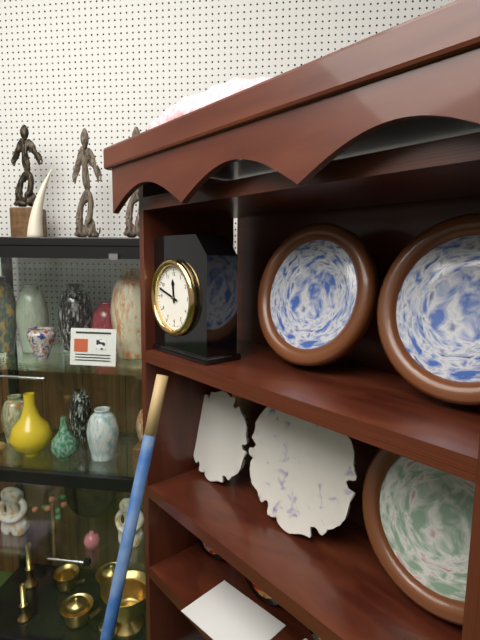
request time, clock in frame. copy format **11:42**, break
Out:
**11:48**
